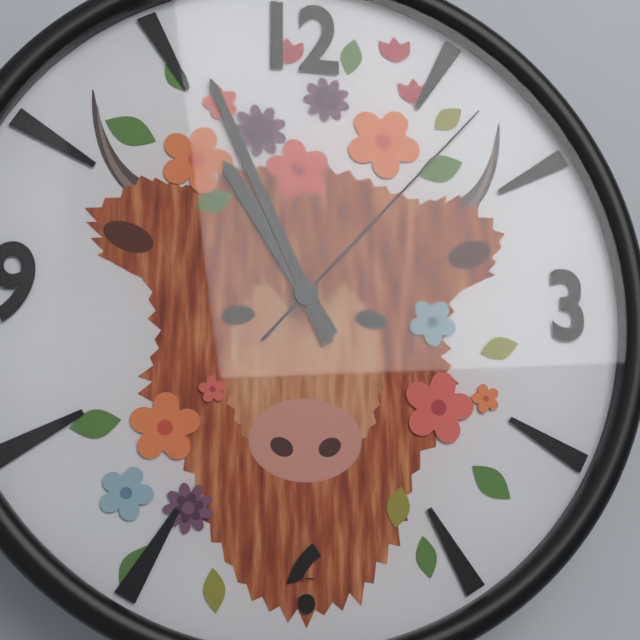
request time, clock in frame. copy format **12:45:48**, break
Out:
**10:56:07**
